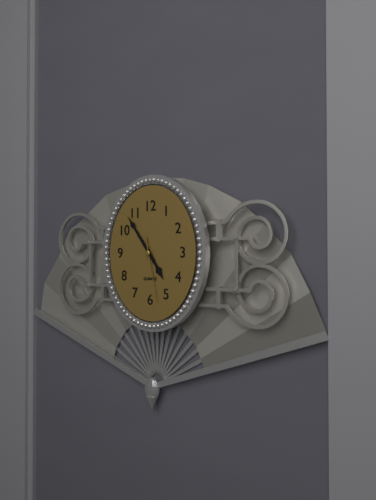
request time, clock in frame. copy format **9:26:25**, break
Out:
**4:54:28**
